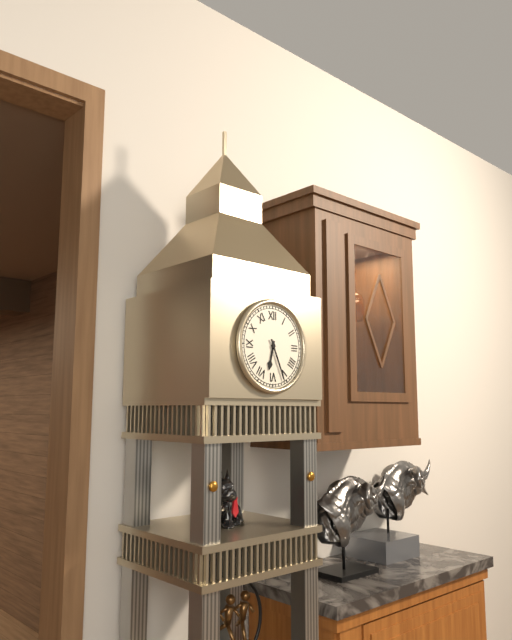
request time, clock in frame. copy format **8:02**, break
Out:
**6:26**
